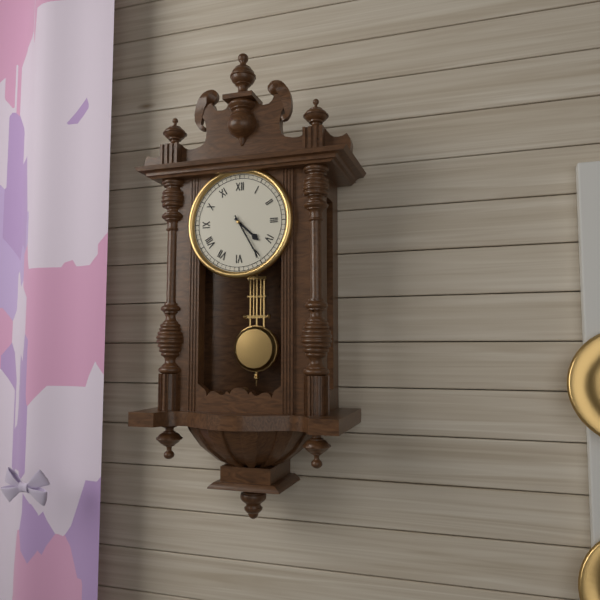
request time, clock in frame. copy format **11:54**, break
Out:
**4:25**
